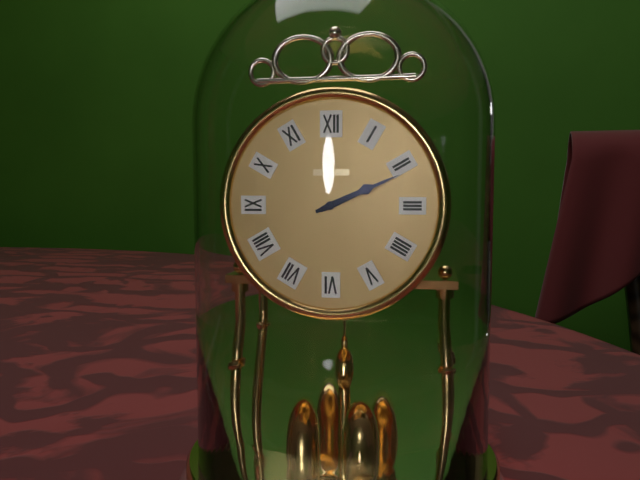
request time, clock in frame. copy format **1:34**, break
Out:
**2:11**
